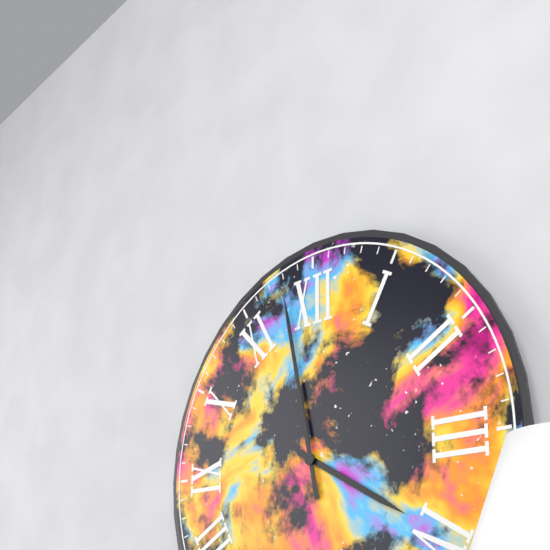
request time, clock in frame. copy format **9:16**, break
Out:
**3:58**
